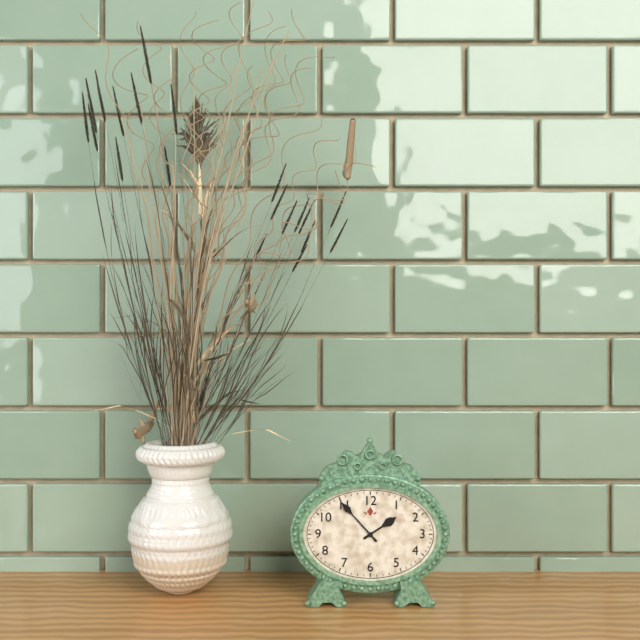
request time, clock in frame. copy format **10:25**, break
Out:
**1:53**
